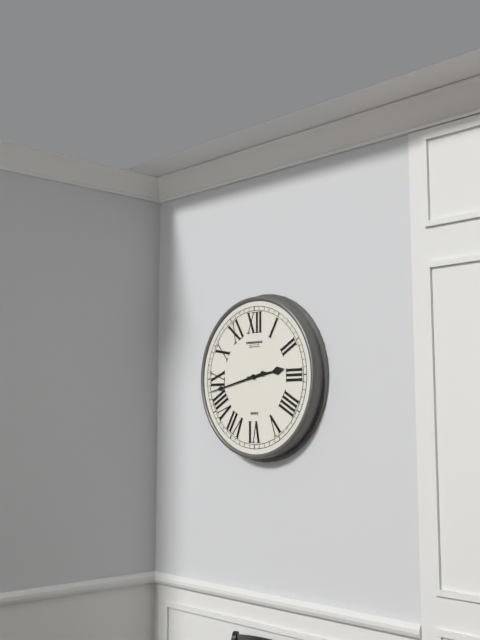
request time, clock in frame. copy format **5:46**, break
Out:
**2:43**
